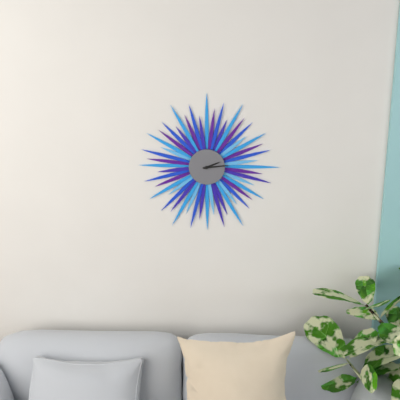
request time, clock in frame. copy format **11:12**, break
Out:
**2:14**
